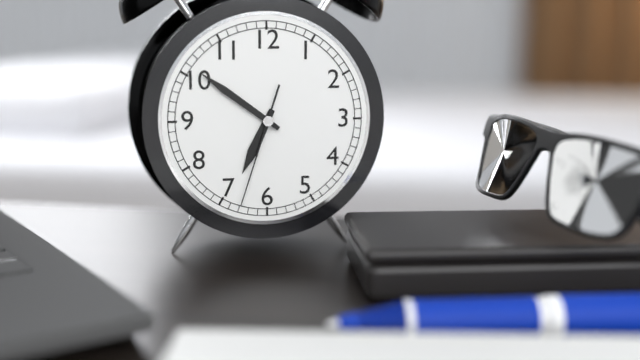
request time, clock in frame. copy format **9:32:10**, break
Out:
**6:51:33**
